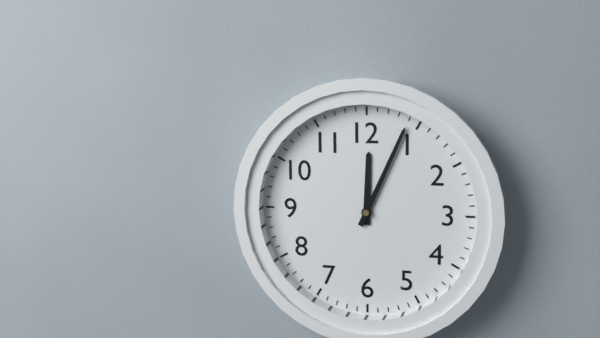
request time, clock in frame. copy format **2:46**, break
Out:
**12:04**
